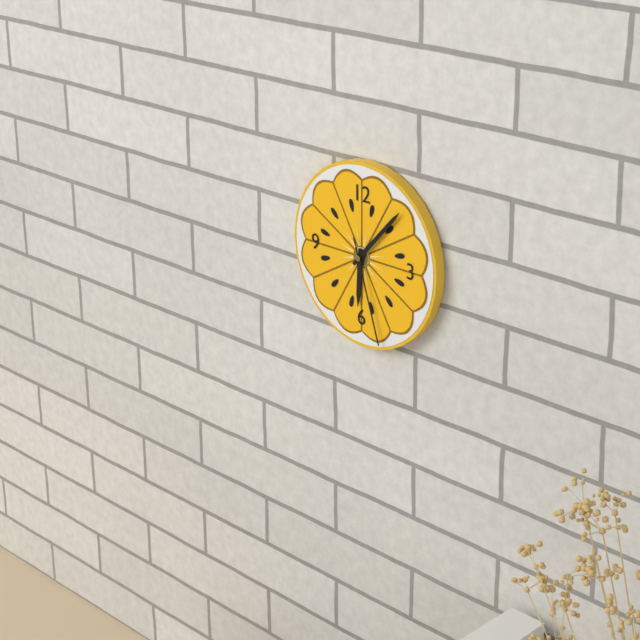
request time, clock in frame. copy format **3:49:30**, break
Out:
**6:07:27**
